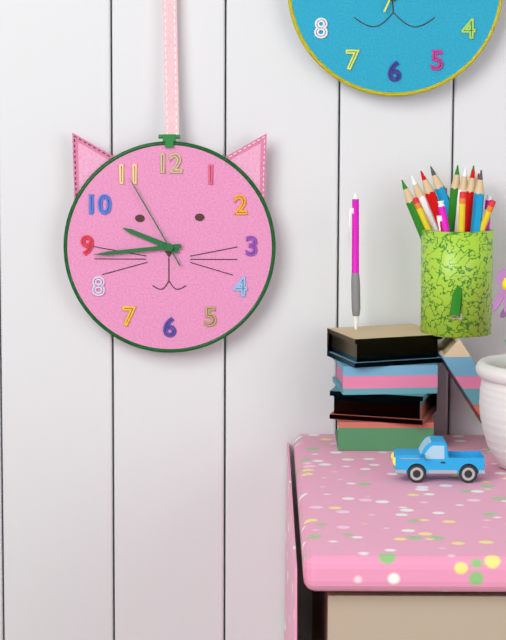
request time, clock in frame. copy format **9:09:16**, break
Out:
**9:44:55**
